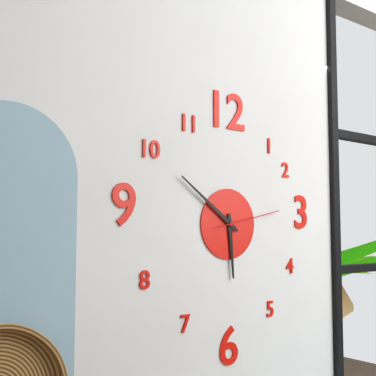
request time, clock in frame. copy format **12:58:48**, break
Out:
**5:51:13**
